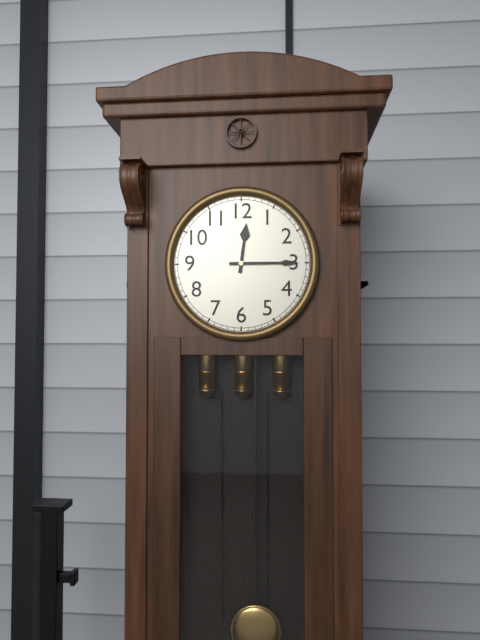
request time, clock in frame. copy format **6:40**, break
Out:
**12:15**
